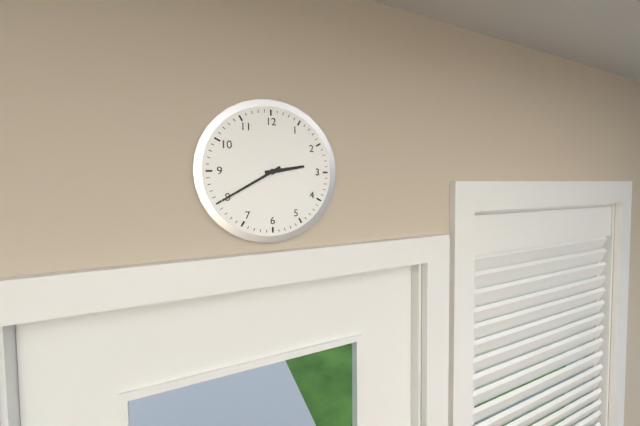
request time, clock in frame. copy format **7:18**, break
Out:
**2:40**
